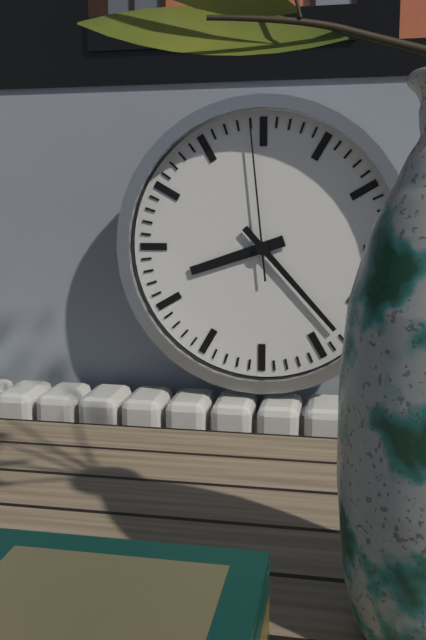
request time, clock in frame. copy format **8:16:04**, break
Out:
**8:23:59**
